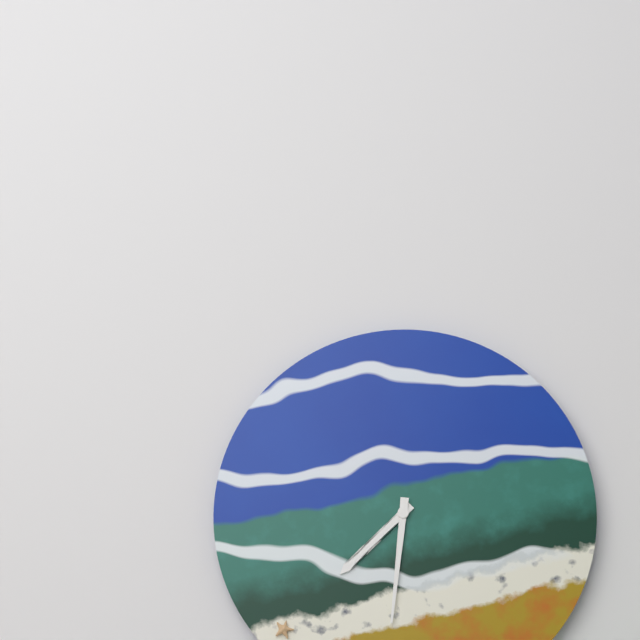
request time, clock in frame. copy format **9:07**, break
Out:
**7:31**
